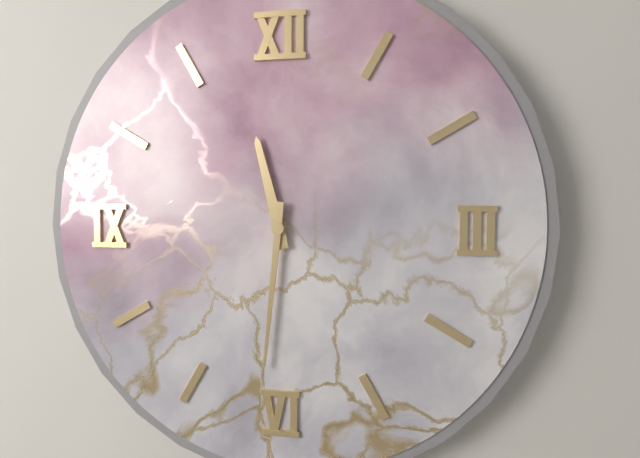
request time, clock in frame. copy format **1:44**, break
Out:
**11:31**
